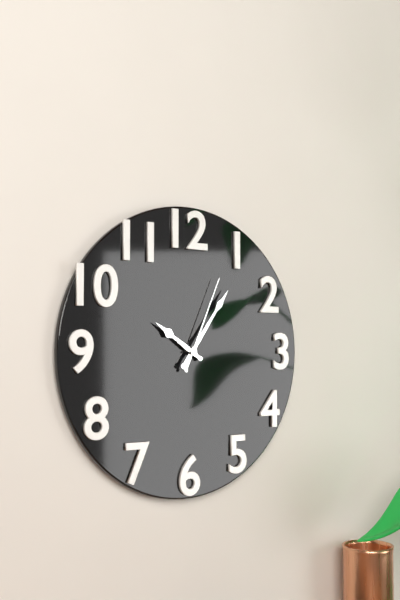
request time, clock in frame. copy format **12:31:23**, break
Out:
**10:06:04**
